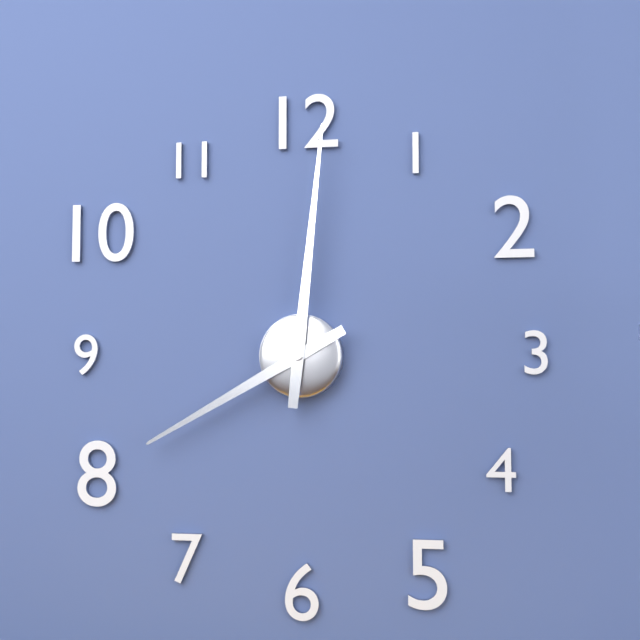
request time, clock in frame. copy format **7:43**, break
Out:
**8:01**
